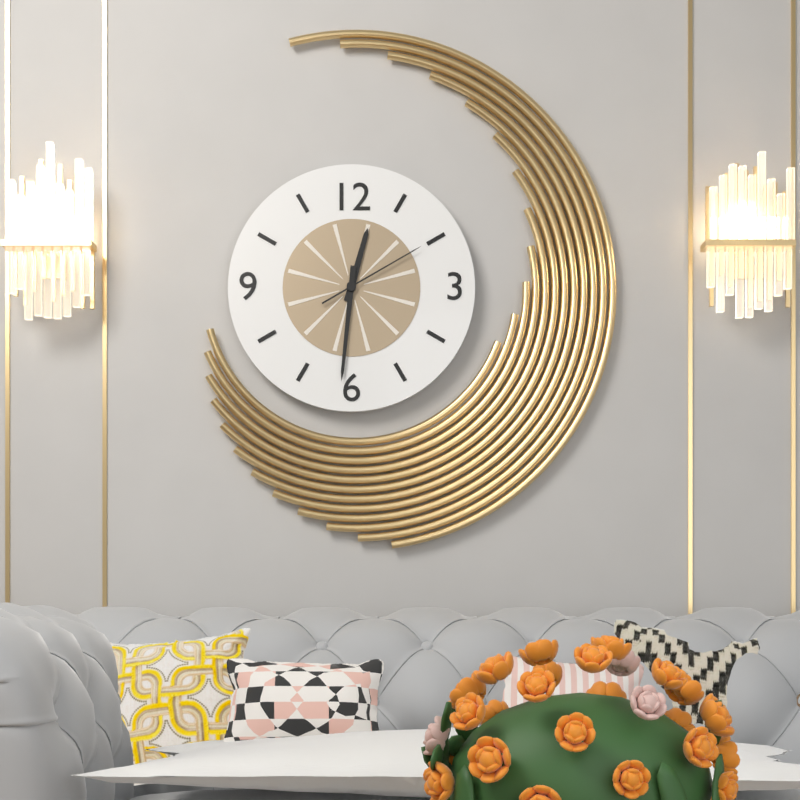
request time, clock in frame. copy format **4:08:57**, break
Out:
**12:31:10**
